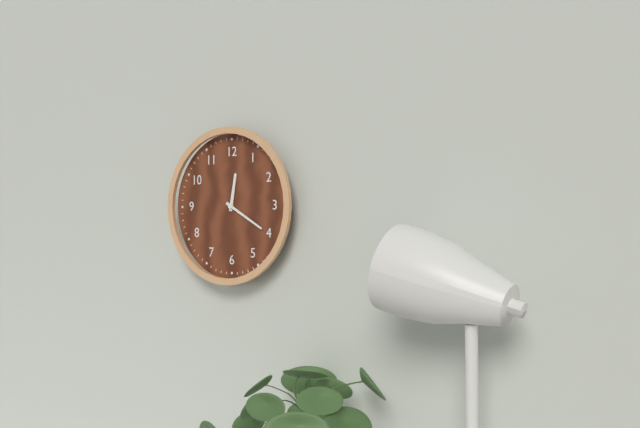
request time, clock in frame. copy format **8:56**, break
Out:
**12:20**
